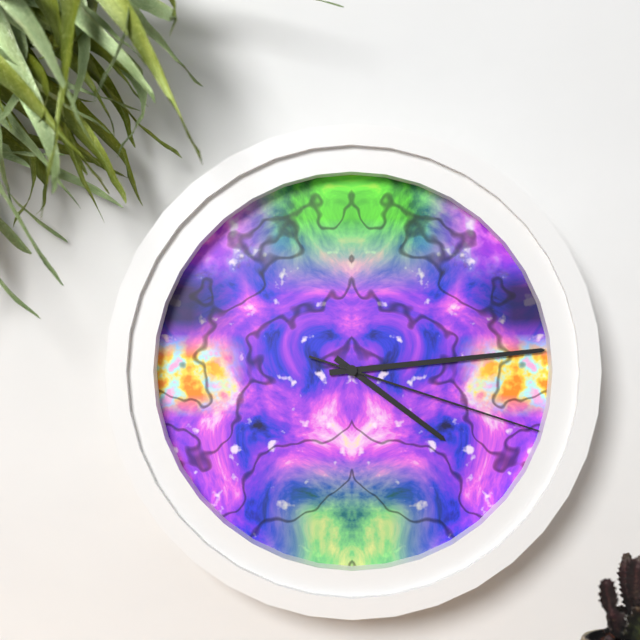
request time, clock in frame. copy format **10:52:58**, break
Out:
**4:14:18**
